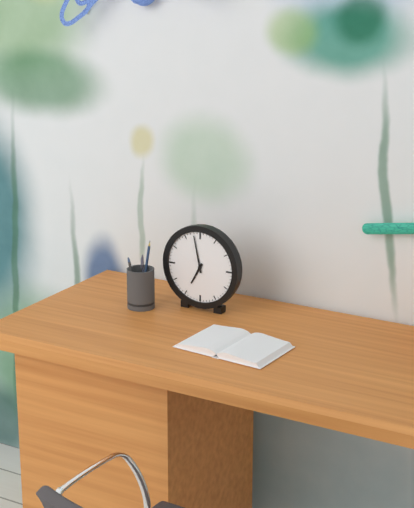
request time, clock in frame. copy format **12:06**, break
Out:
**6:58**
